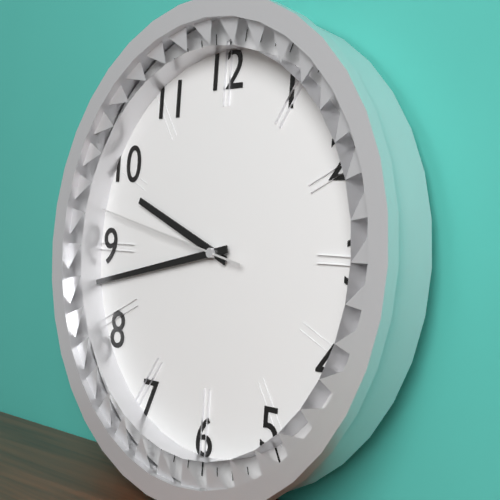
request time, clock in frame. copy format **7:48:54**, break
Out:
**9:43:47**
